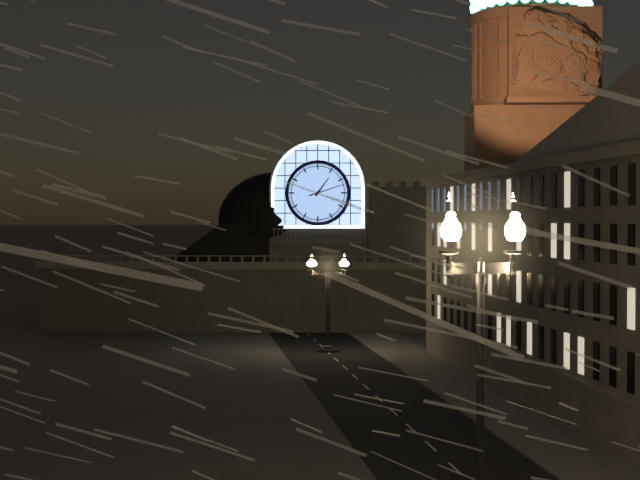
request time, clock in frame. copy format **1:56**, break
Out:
**1:12**
